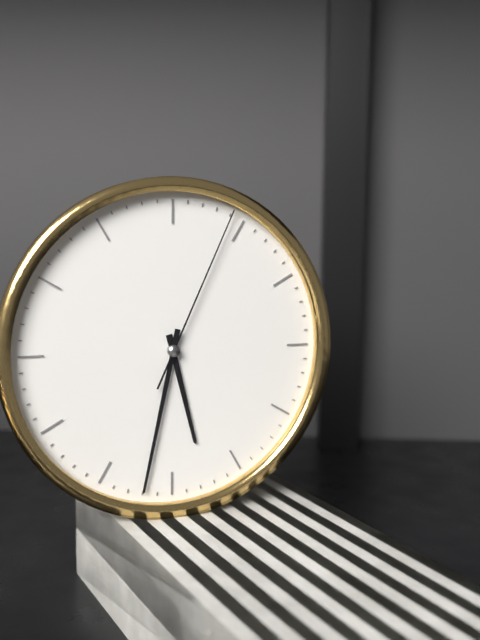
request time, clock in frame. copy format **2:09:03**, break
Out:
**5:32:04**
